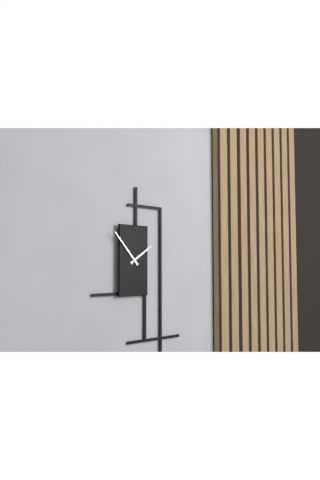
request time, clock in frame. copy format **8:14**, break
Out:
**1:53**
